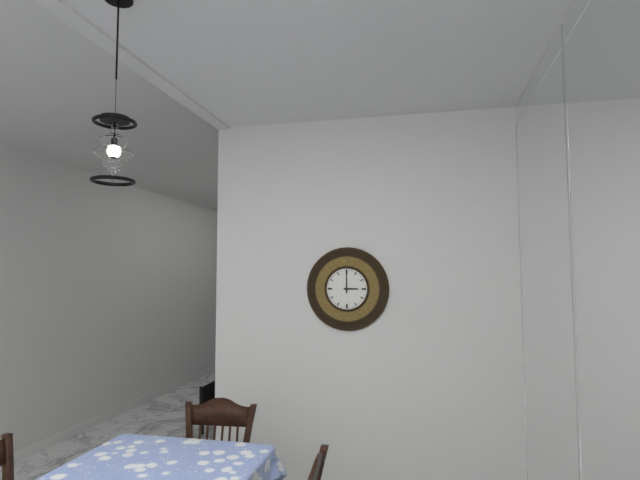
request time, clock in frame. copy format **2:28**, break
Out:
**3:00**
